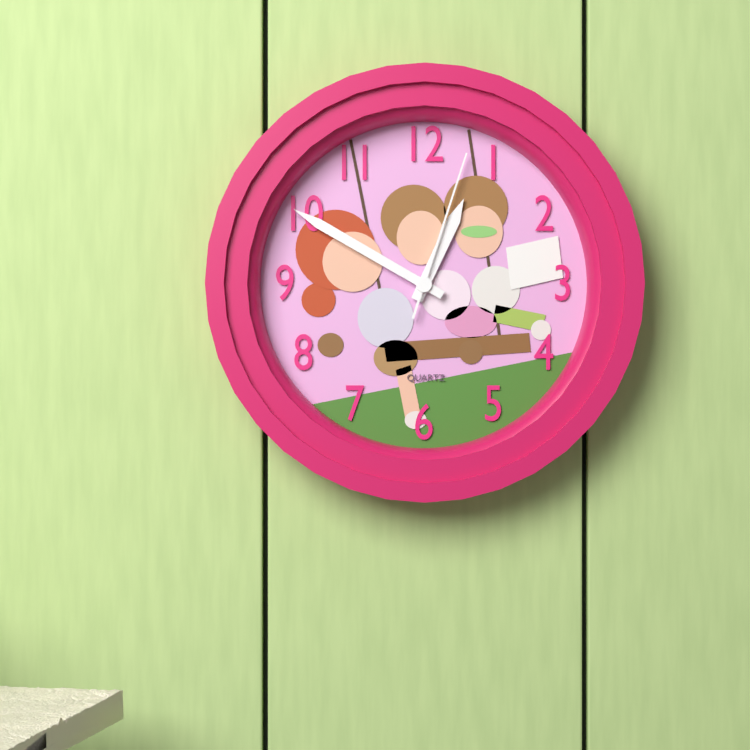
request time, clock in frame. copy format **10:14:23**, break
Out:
**12:50:03**
